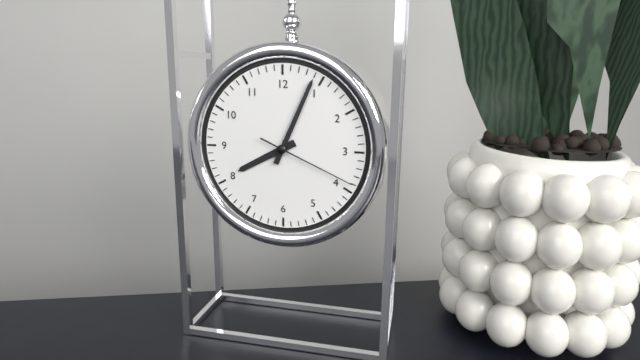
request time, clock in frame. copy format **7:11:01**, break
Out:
**8:04:19**
